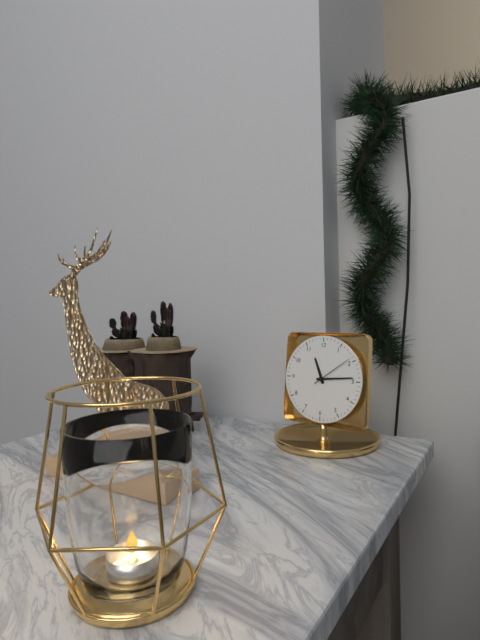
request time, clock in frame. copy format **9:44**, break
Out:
**11:14**
